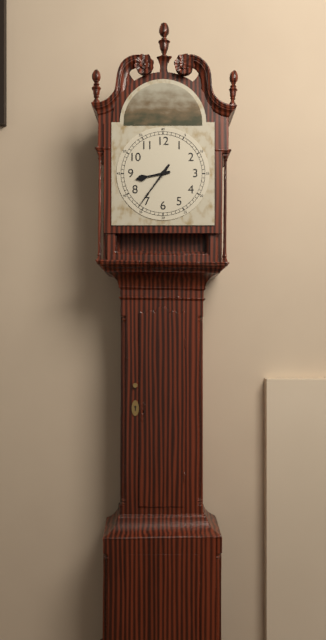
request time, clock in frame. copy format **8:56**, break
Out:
**8:36**
